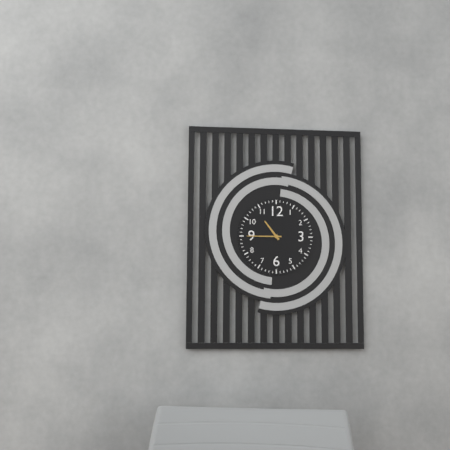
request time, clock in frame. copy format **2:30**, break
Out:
**10:45**
